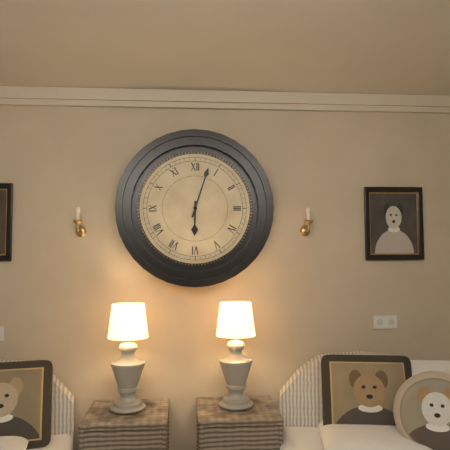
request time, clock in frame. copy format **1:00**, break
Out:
**6:03**
